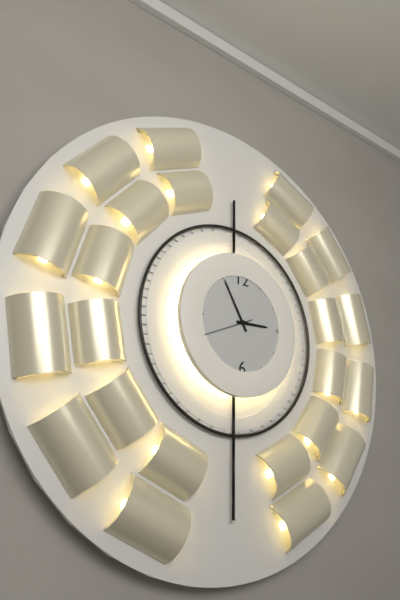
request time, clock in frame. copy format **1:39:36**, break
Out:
**2:55:41**
